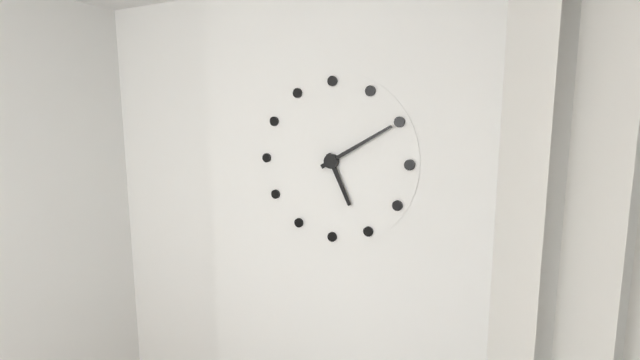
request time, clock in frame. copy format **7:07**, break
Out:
**5:10**
